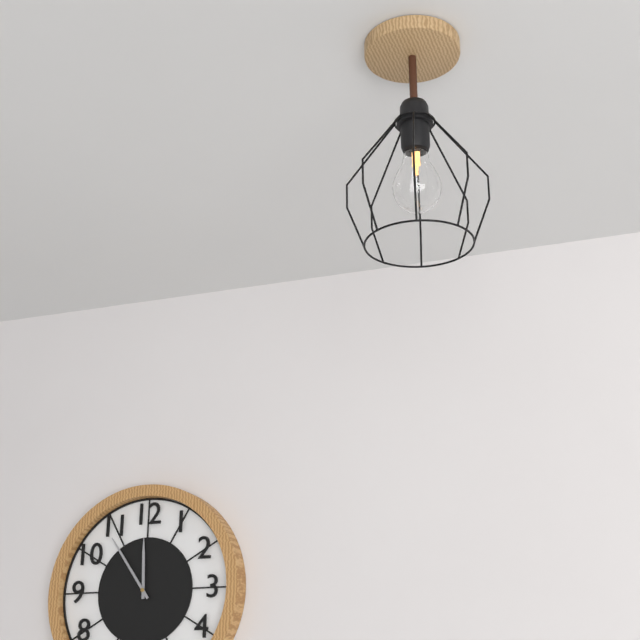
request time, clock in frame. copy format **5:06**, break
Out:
**11:54**
